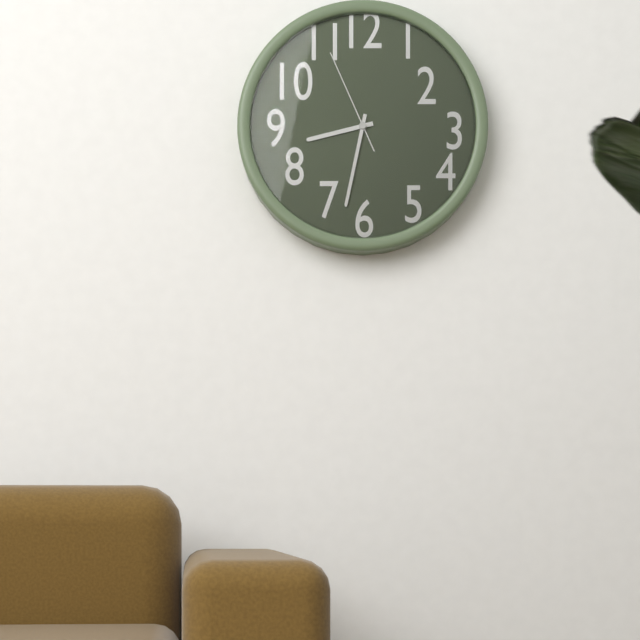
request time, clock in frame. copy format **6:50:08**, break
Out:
**8:32:56**
